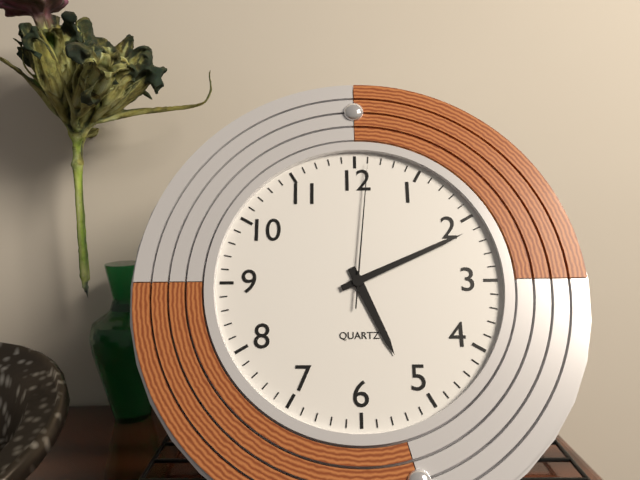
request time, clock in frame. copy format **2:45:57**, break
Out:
**5:11:01**
